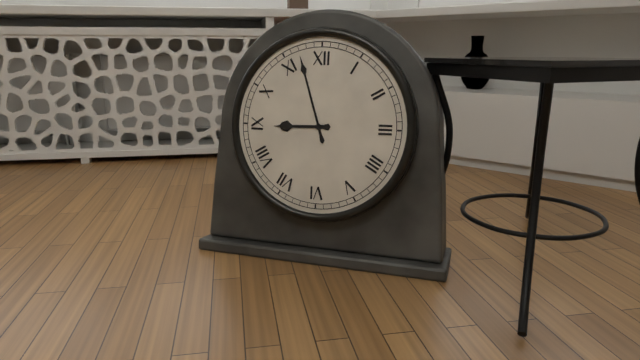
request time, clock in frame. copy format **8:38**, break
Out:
**8:57**
